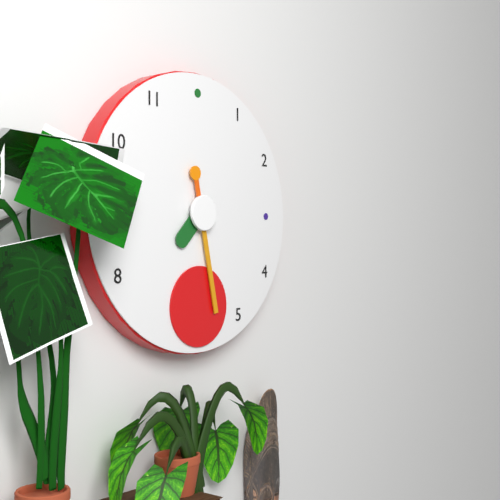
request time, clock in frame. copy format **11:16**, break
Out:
**7:28**
